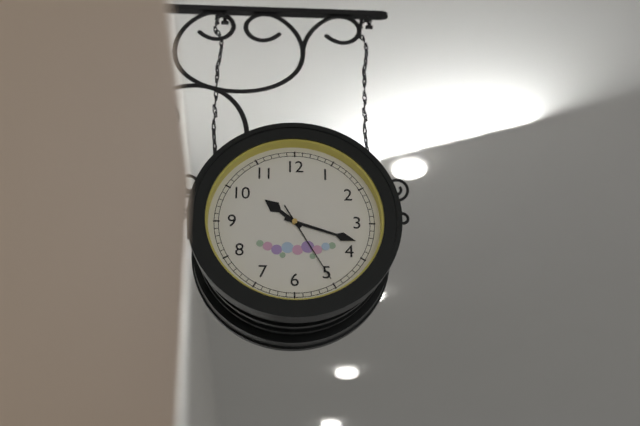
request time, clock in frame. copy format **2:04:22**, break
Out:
**10:18:25**
